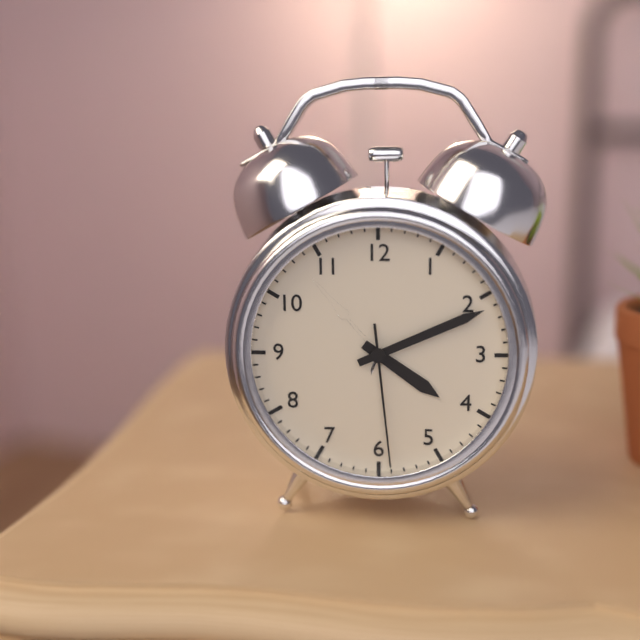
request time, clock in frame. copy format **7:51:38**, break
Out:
**4:11:29**
